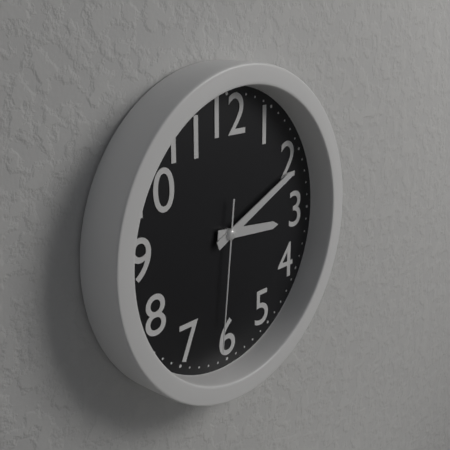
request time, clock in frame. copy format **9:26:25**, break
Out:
**3:11:31**
